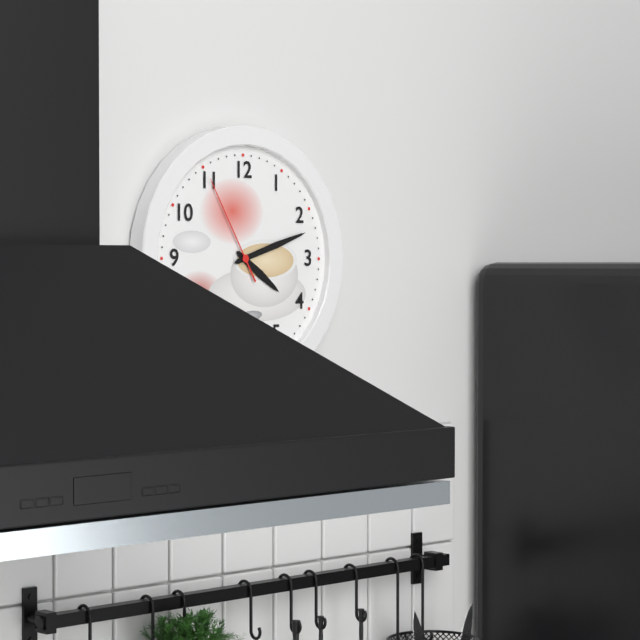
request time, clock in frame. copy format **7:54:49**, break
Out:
**4:12:55**
